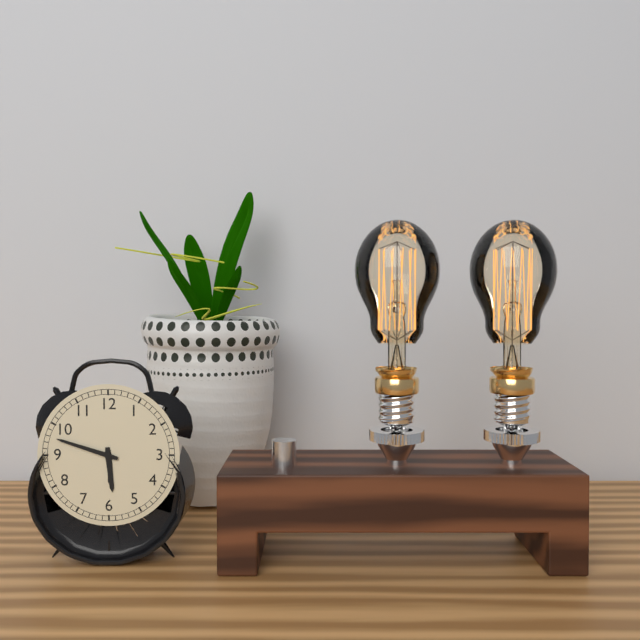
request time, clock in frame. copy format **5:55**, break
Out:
**5:48**
